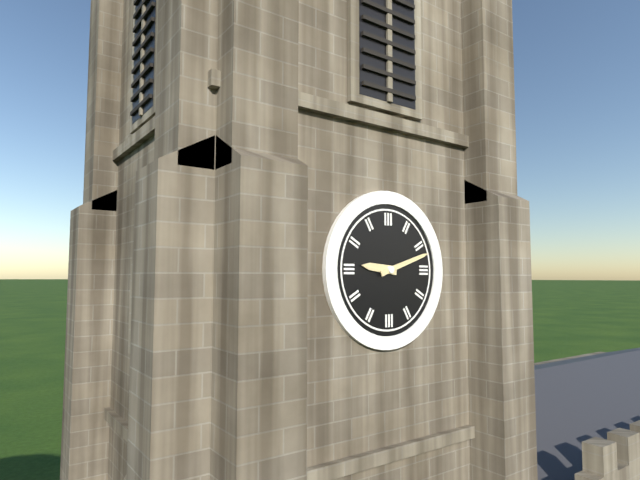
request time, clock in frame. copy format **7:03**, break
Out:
**9:12**
